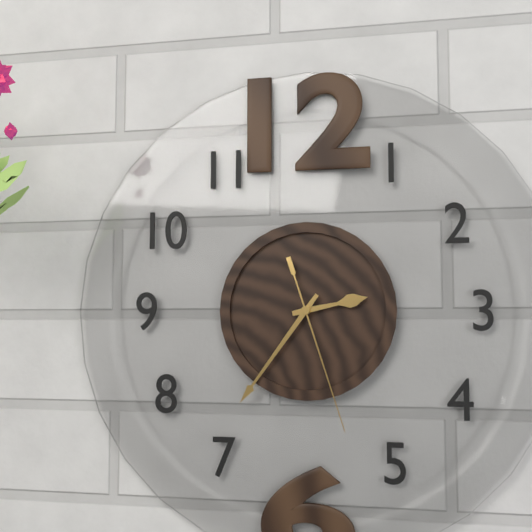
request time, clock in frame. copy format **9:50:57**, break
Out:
**2:36:27**
